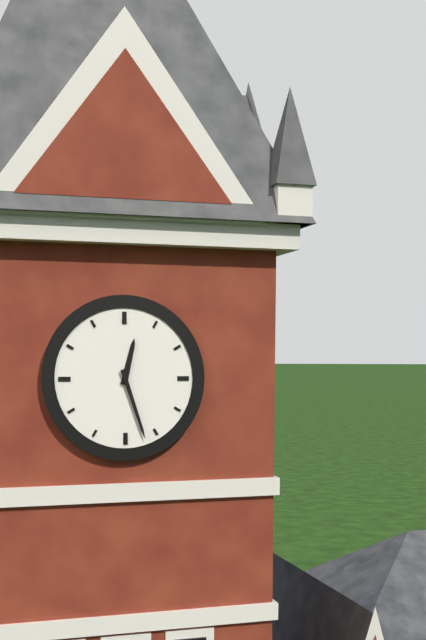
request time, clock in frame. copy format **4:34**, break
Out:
**12:27**
